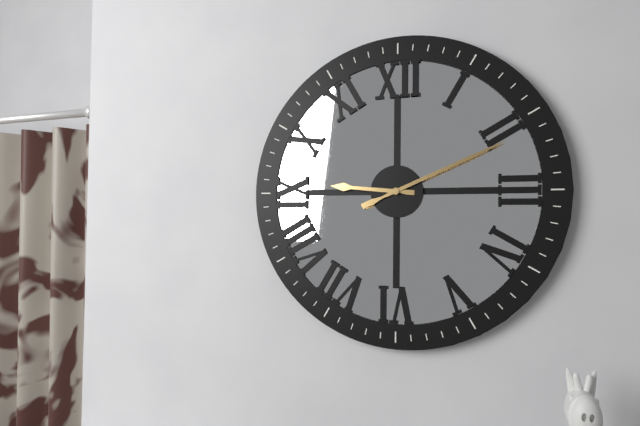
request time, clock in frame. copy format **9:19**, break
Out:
**9:11**
